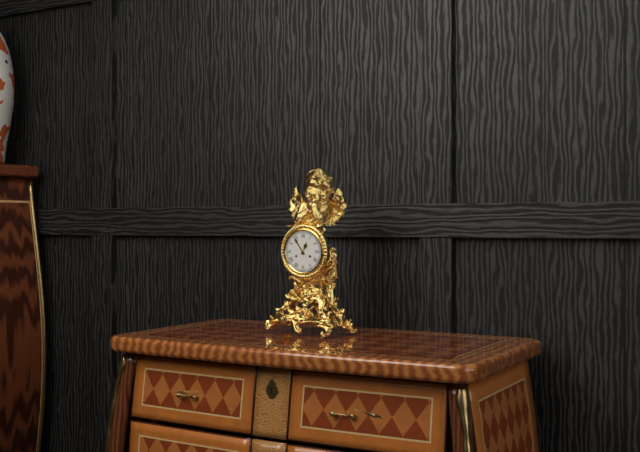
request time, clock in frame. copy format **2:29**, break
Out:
**12:54**
